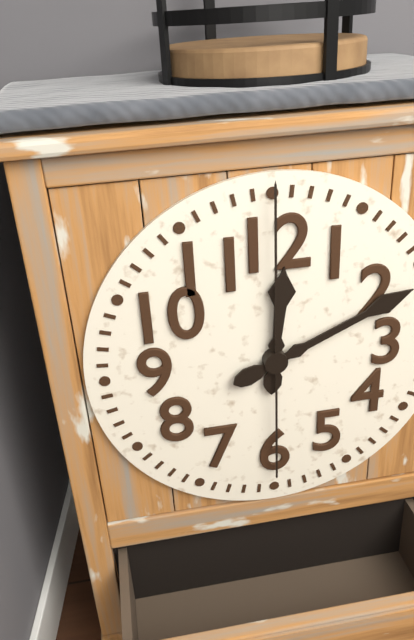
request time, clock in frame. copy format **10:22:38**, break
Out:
**12:11:00**
